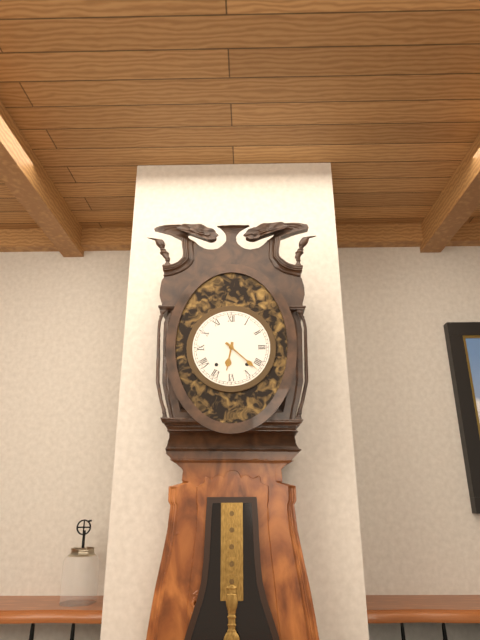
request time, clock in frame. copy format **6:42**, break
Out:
**6:22**
